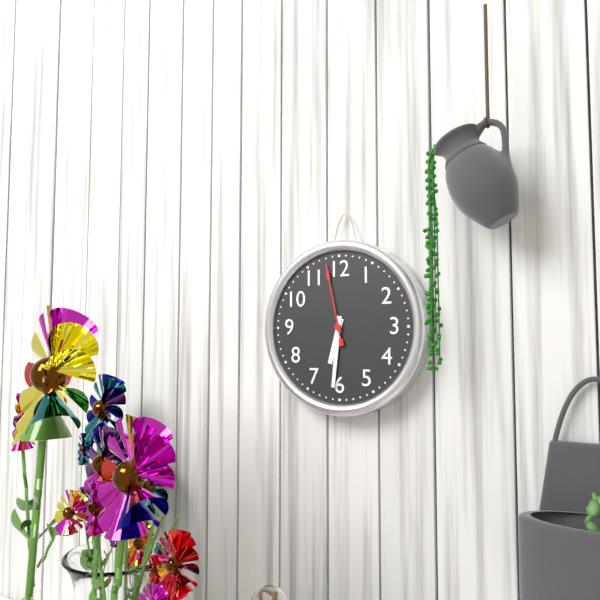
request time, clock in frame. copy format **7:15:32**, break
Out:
**6:31:58**
